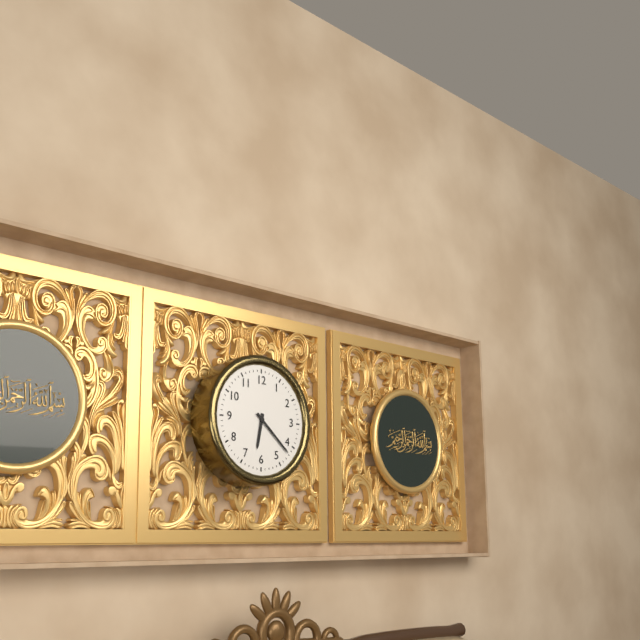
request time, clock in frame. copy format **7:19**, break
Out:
**6:22**
